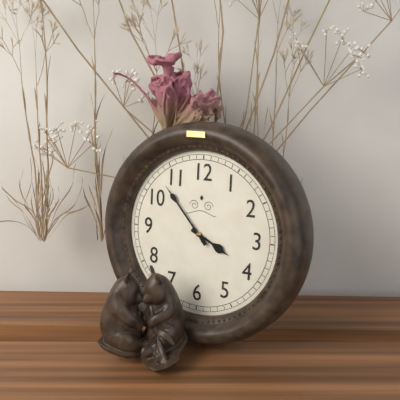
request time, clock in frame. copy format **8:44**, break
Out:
**3:53**
